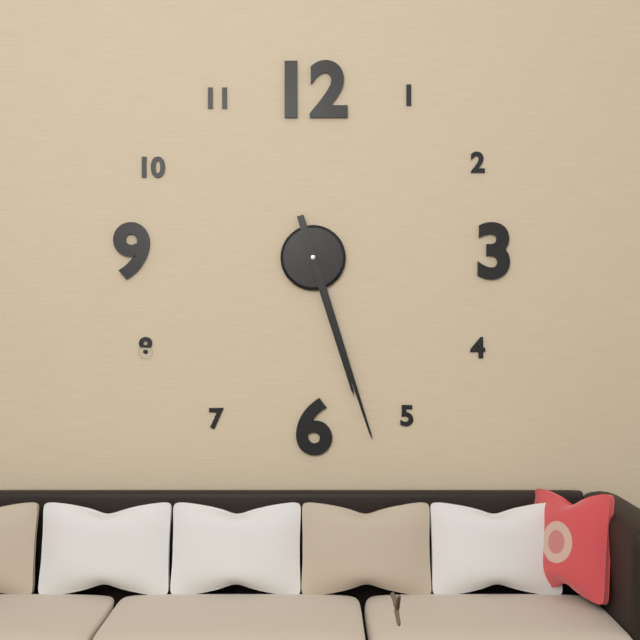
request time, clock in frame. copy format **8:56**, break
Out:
**5:27**
